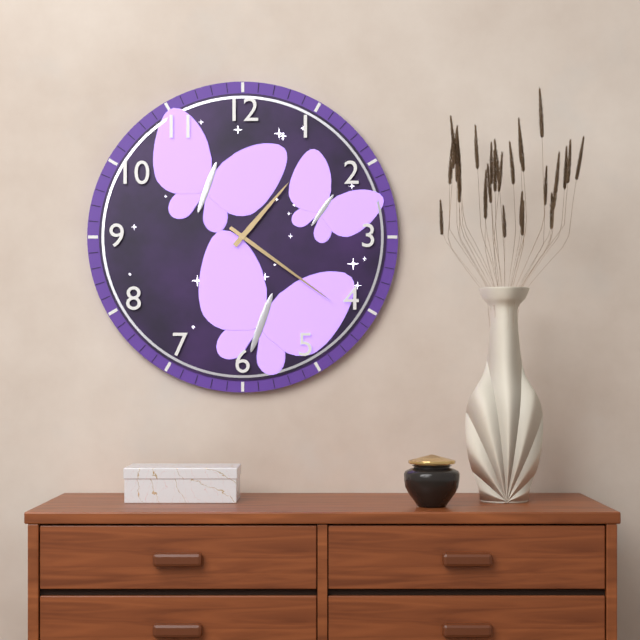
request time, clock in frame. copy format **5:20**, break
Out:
**1:21**
